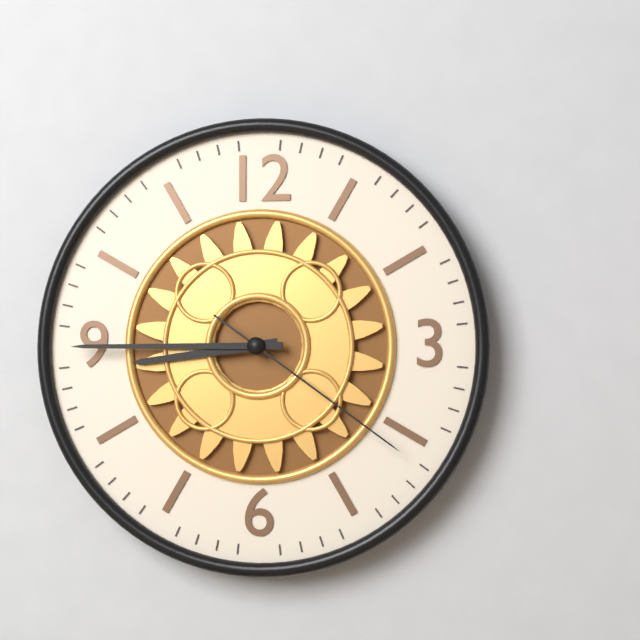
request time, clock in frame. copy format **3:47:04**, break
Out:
**8:45:21**
